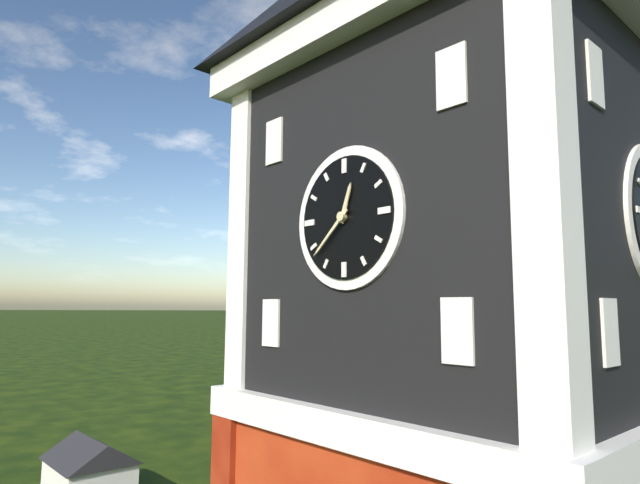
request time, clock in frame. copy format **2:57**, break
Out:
**12:38**
